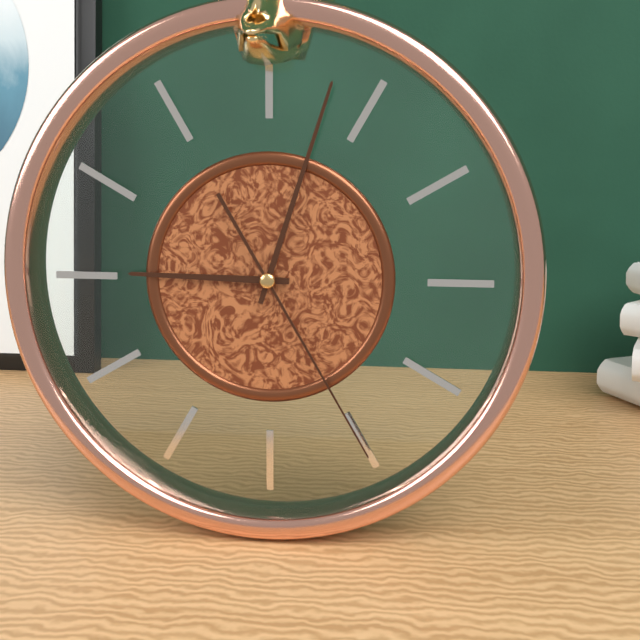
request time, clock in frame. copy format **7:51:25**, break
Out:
**9:03:25**
